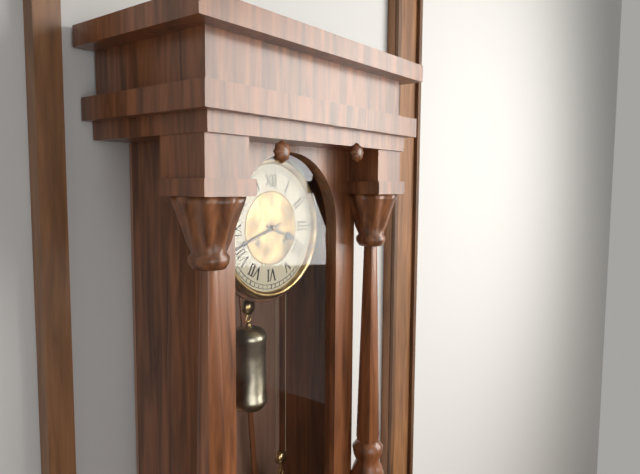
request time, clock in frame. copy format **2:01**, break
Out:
**3:42**
